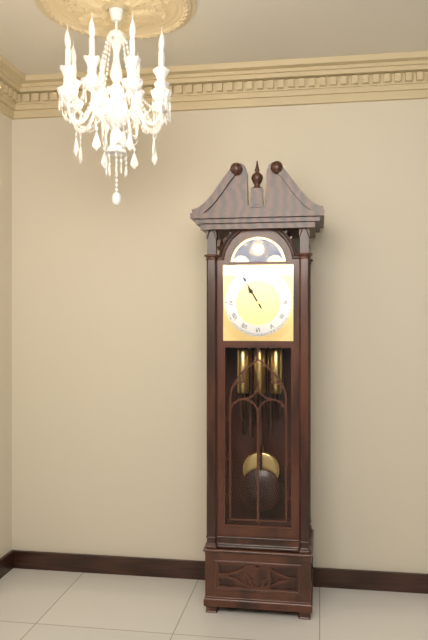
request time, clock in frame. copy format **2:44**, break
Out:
**10:55**
